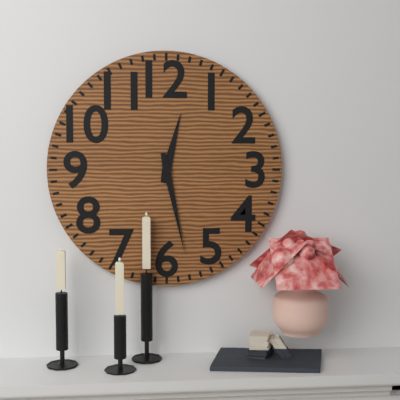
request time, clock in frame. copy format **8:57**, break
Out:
**12:28**
